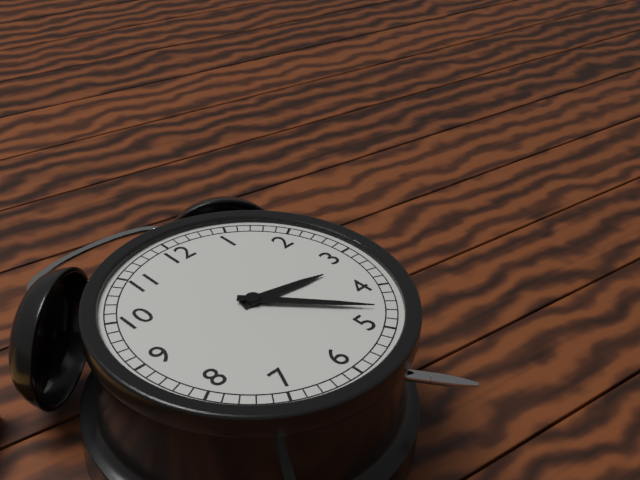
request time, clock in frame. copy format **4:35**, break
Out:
**3:23**
